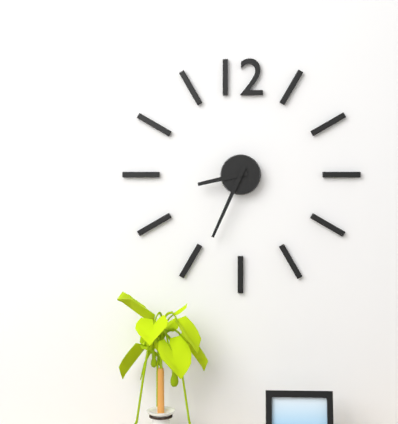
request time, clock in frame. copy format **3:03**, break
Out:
**8:34**
